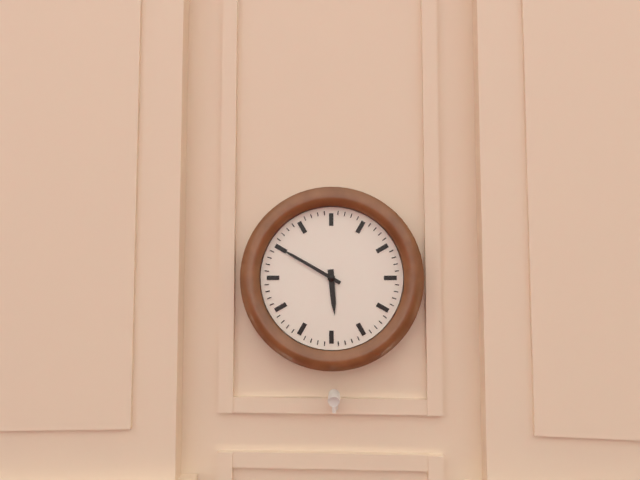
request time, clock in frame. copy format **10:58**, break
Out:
**5:50**
